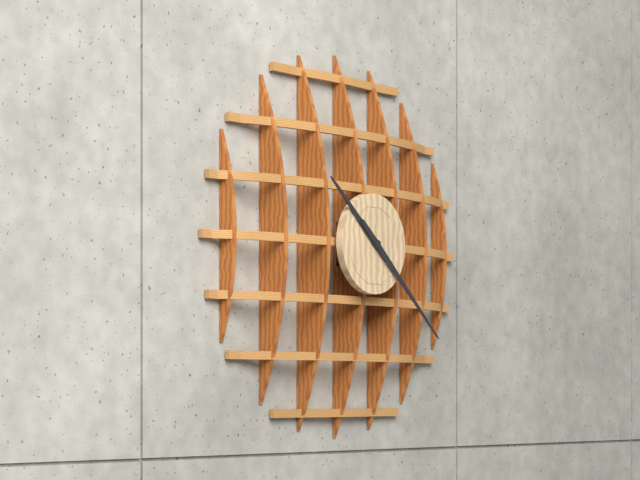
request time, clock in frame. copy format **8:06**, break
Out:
**10:22**
